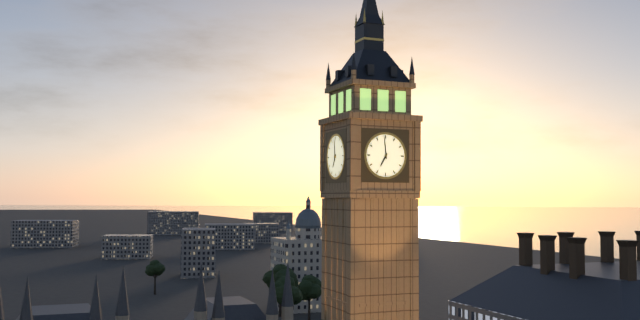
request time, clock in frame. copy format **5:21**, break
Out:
**6:59**
